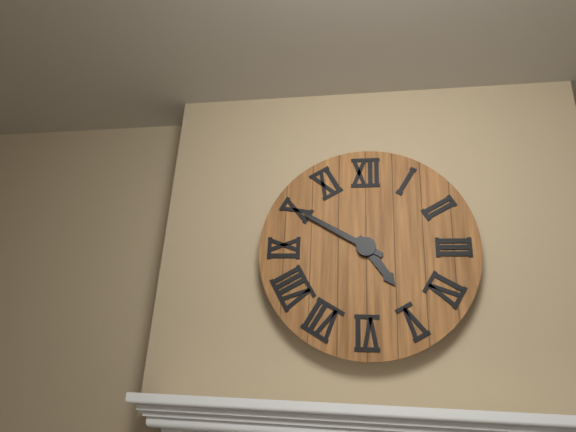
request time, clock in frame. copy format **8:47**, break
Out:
**4:50**
